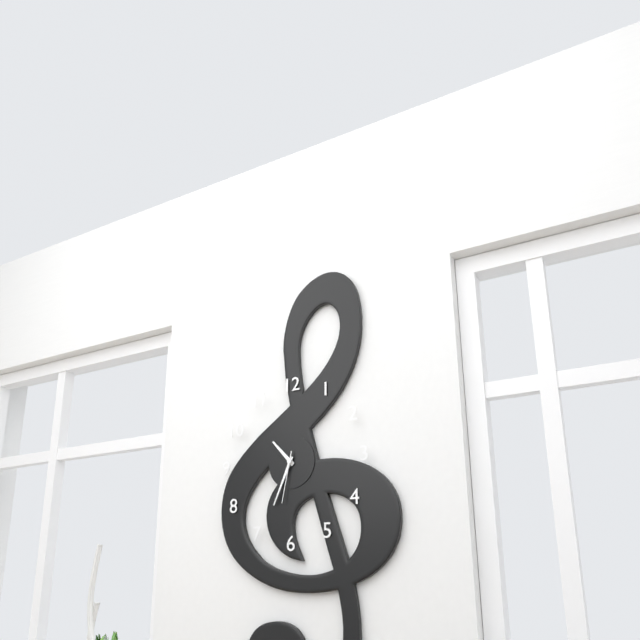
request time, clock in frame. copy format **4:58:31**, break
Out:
**10:34:32**
